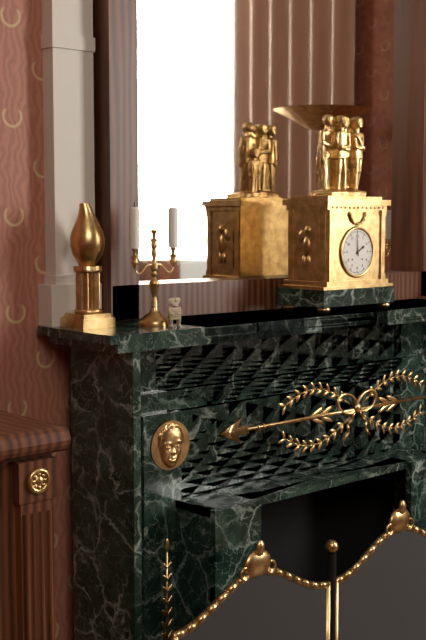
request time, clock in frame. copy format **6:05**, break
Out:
**1:59**
